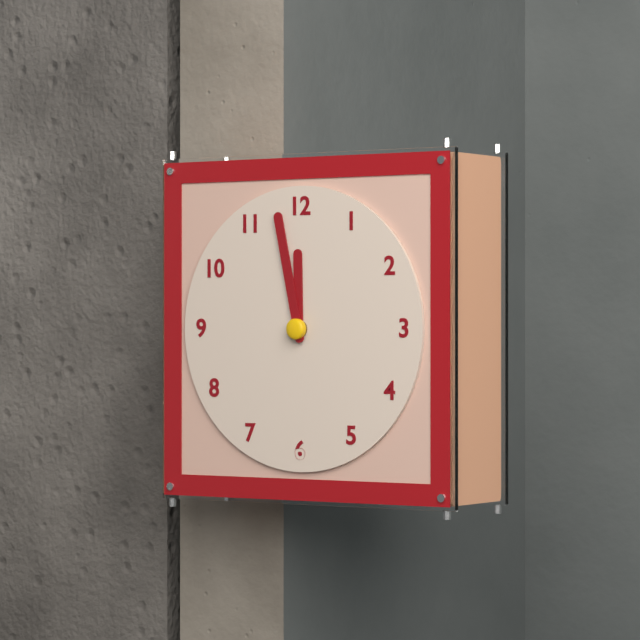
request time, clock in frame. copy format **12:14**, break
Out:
**11:58**
